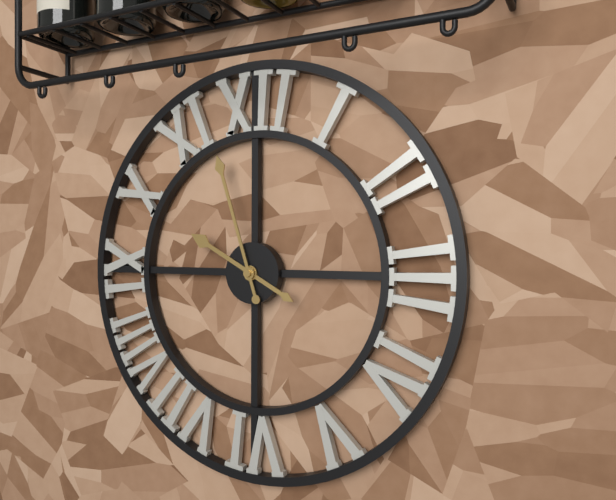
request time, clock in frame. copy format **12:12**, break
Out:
**9:57**
